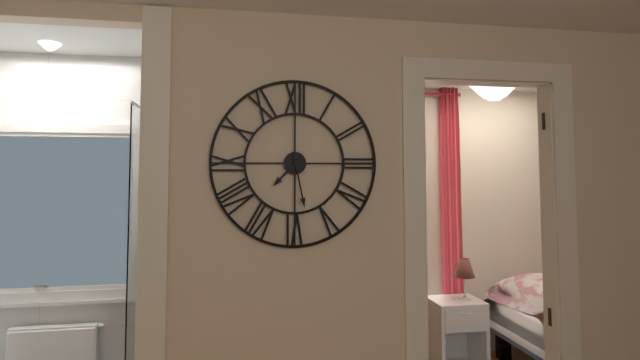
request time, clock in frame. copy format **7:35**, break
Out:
**7:28**
